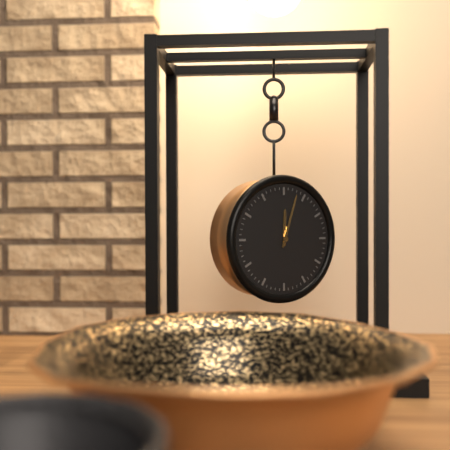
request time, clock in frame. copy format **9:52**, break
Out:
**12:03**
